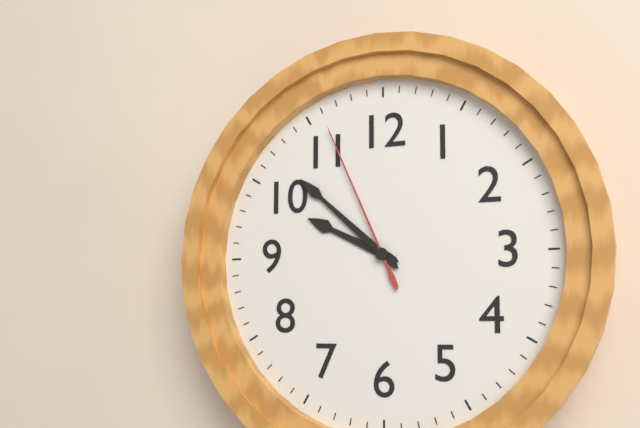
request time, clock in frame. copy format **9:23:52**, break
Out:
**9:52:56**
